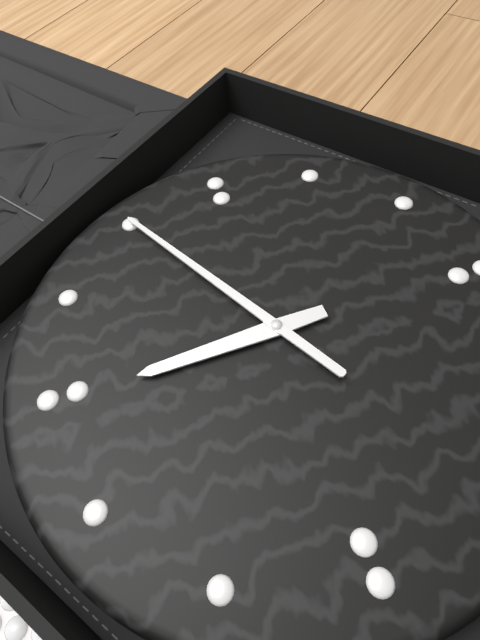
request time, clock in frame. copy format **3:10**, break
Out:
**8:55**
